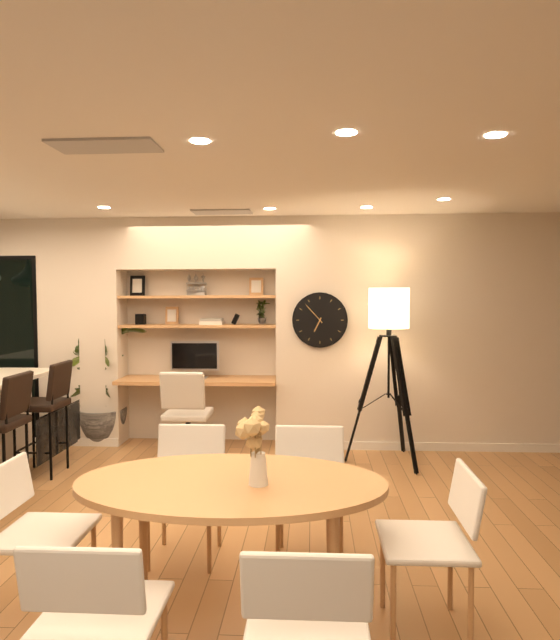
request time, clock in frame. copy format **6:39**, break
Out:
**6:53**
